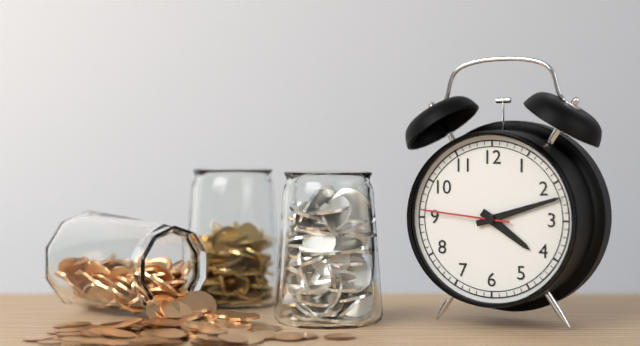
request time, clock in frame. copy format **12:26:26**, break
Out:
**4:12:46**
